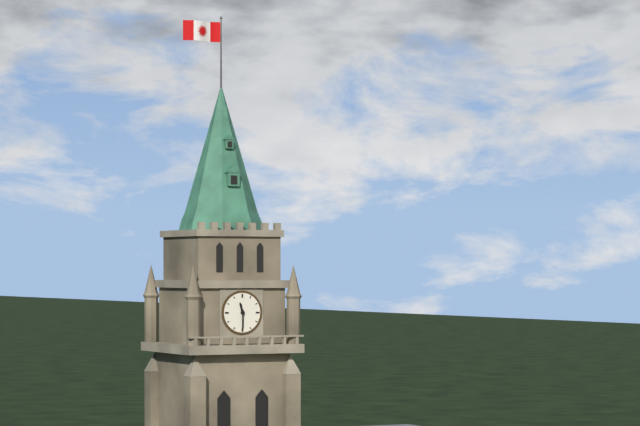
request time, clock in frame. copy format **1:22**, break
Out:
**11:30**
